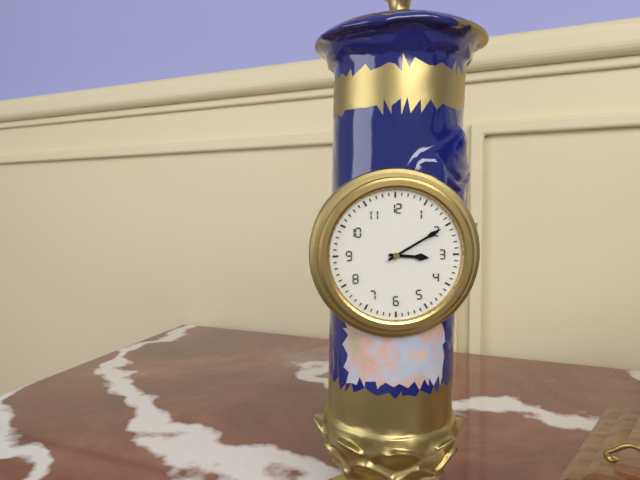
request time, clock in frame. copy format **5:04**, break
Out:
**3:10**
